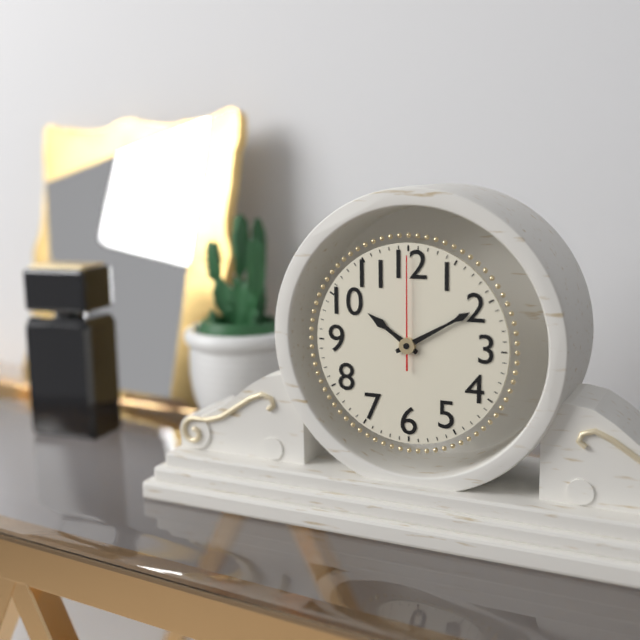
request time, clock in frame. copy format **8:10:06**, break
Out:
**10:10:00**
